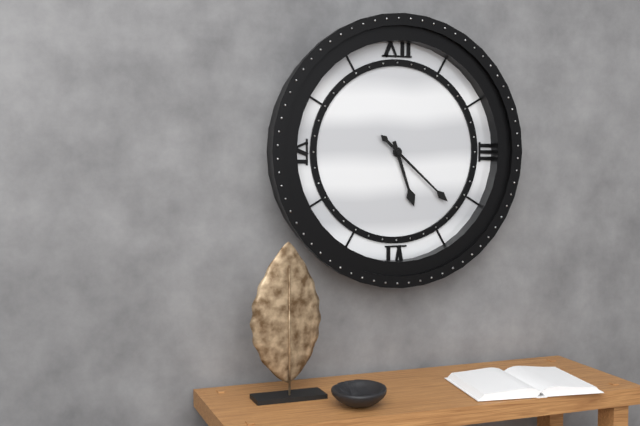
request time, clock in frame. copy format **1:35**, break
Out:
**5:22**
